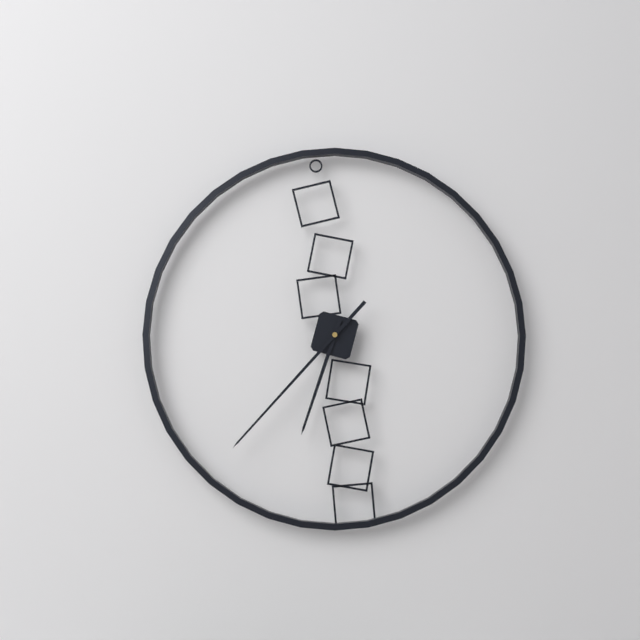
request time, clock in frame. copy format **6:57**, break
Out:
**6:37**
